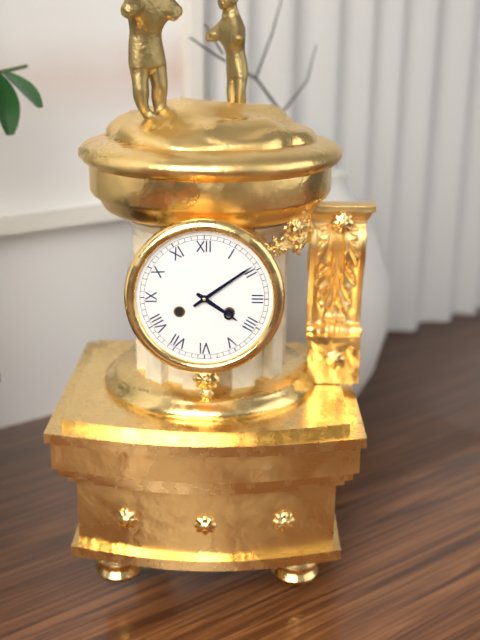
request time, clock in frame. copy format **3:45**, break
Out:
**4:09**
